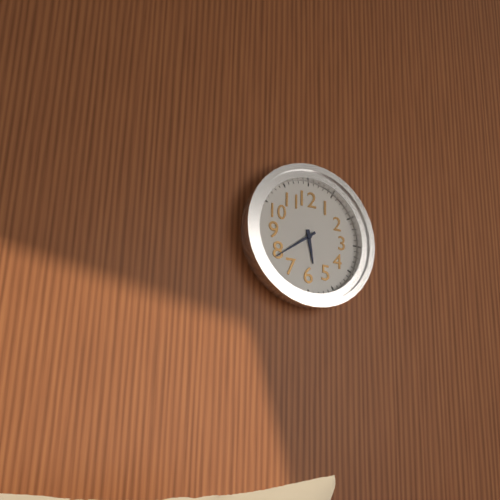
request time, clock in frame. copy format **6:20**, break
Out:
**5:39**
